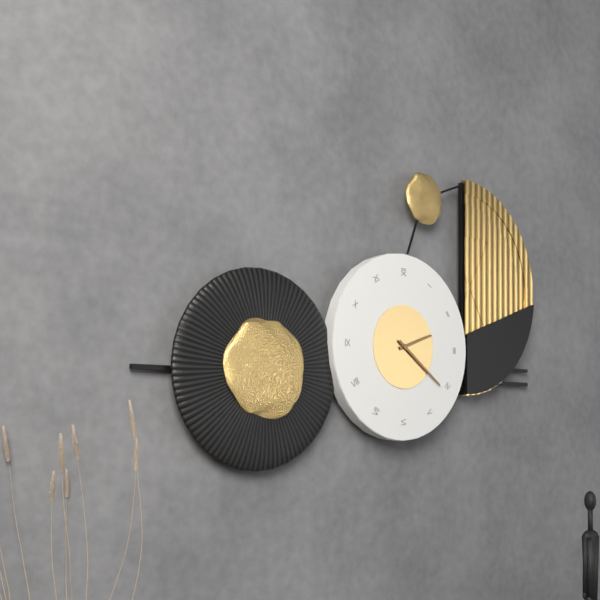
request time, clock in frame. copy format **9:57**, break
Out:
**2:21**
